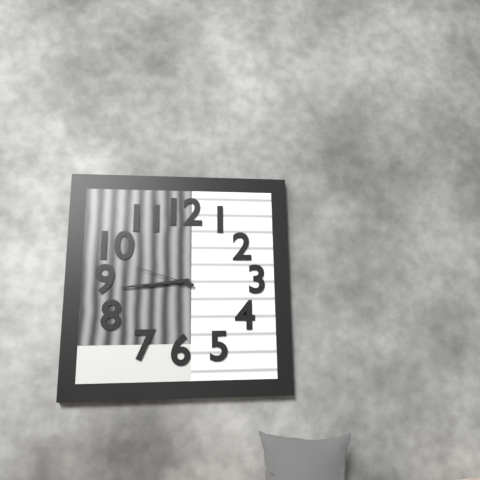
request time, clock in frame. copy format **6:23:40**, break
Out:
**8:44:48**
